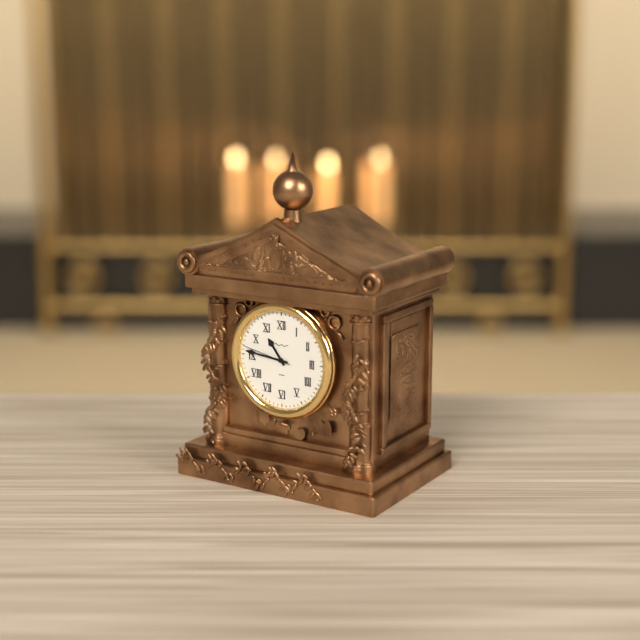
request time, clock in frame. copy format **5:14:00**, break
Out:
**10:46:47**
